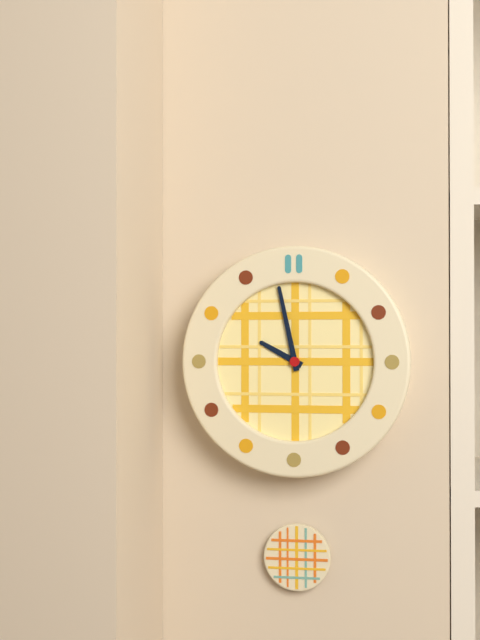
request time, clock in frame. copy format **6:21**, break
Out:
**9:58**
